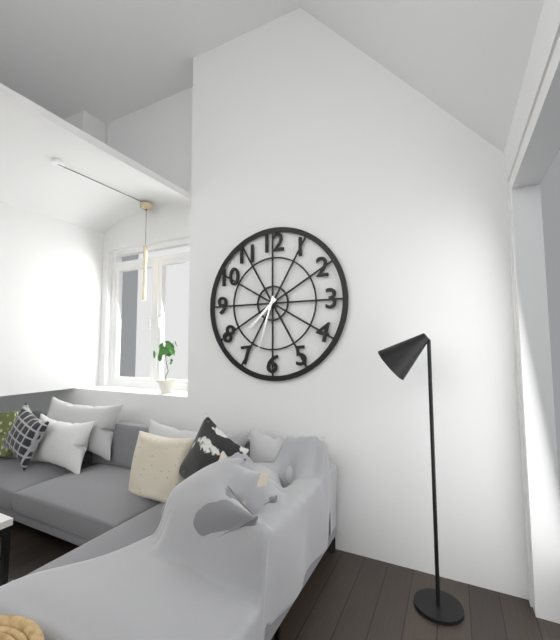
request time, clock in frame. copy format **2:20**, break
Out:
**7:33**
